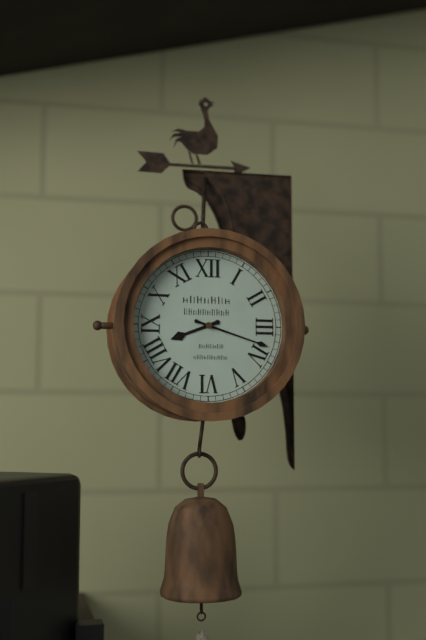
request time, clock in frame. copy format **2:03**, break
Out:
**8:18**
